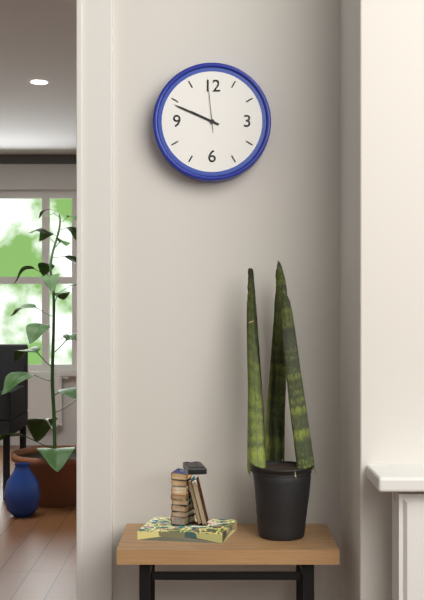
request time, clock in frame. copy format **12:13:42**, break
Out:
**9:49:59**
